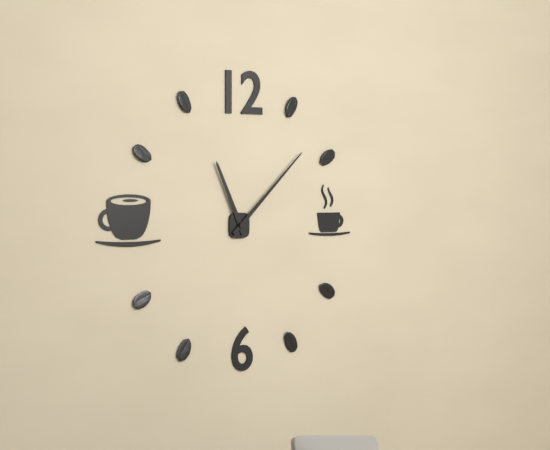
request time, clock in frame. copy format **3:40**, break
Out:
**11:08**
